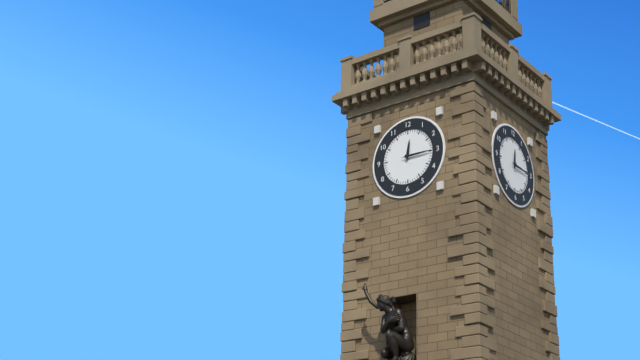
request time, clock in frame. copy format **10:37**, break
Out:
**12:15**
